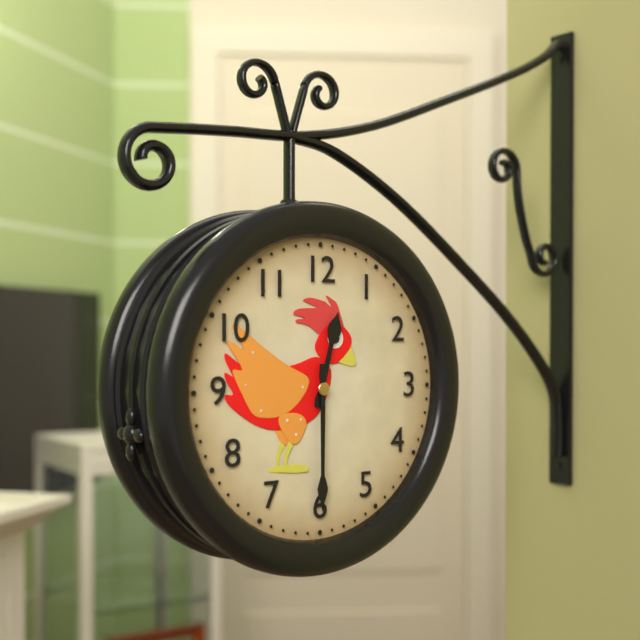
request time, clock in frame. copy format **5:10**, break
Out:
**12:30**
